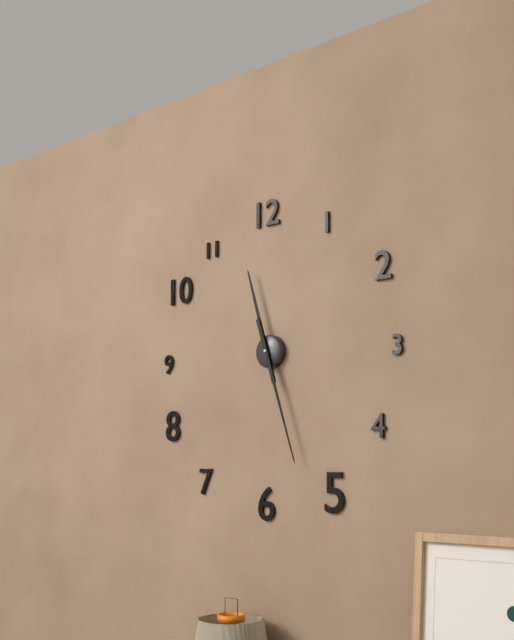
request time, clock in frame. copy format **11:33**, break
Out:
**11:27**
